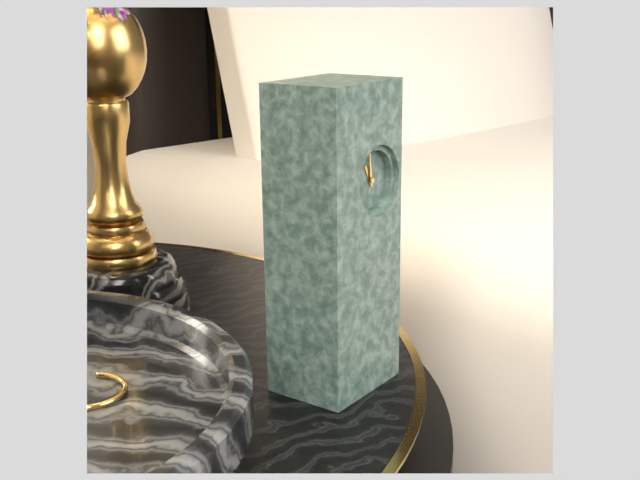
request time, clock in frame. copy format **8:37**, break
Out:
**10:59**
